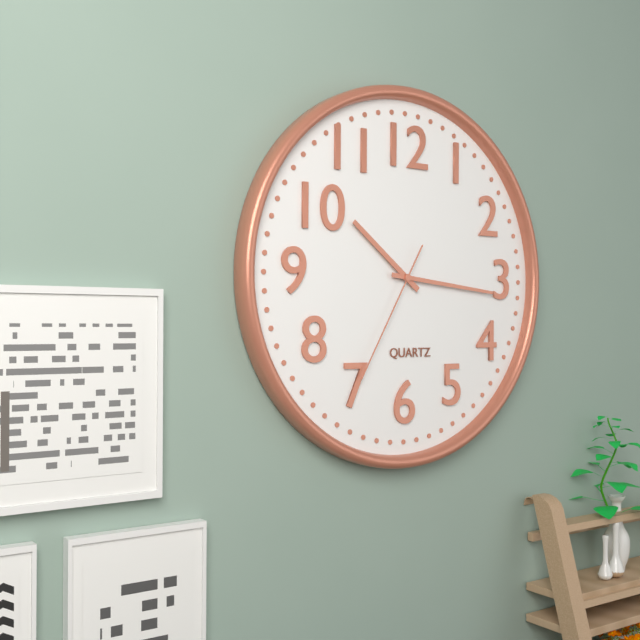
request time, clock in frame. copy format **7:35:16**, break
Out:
**10:16:35**
